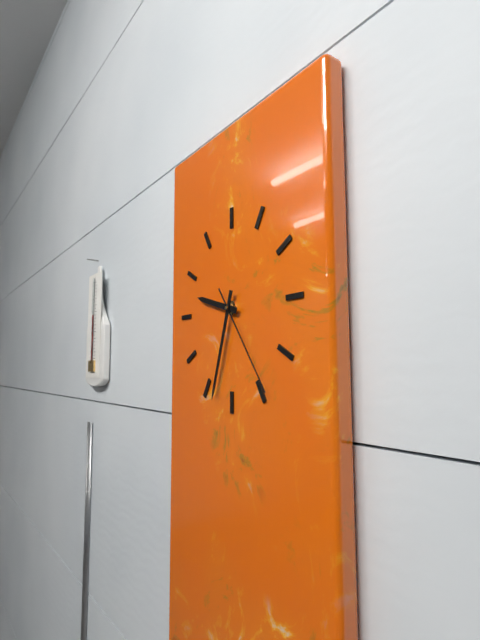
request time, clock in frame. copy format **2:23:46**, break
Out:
**9:33:24**
